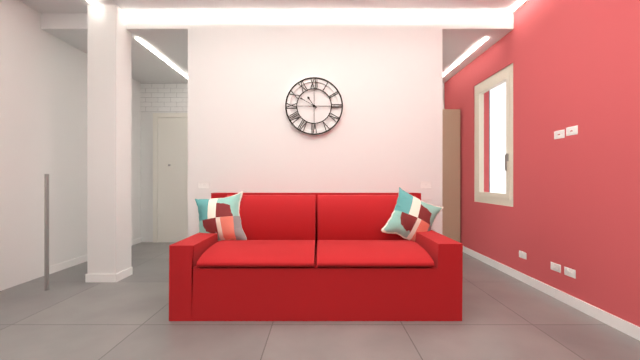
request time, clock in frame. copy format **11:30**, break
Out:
**10:50**
